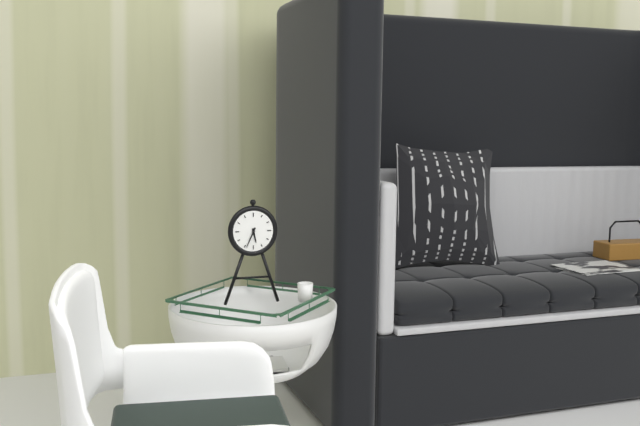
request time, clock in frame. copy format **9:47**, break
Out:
**5:34**
